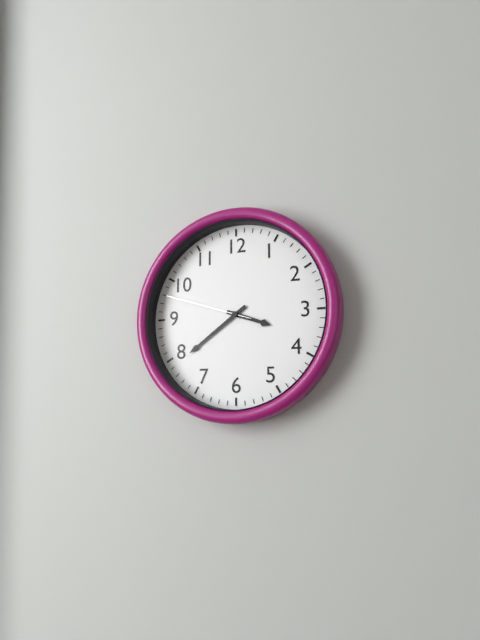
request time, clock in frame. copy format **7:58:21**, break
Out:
**3:39:48**
